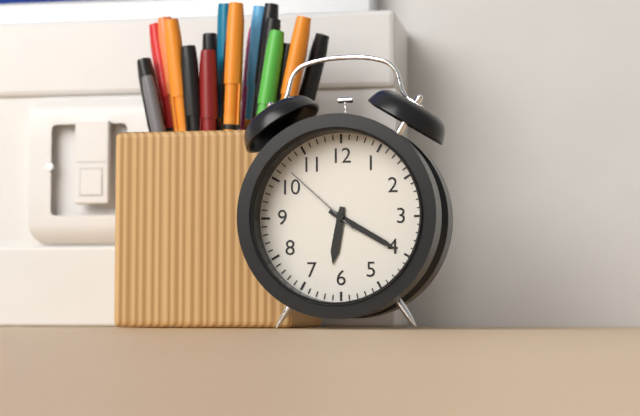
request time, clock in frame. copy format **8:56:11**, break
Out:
**6:20:52**
